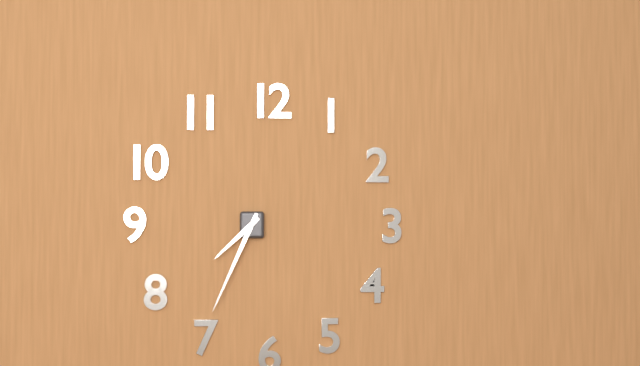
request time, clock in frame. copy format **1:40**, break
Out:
**7:34**
